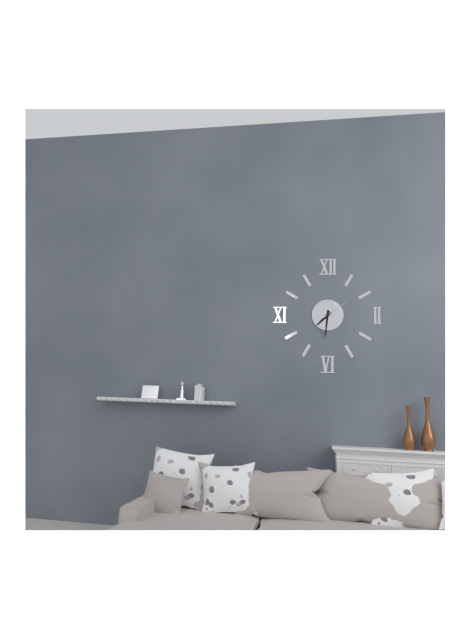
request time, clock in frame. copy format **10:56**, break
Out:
**7:31**
